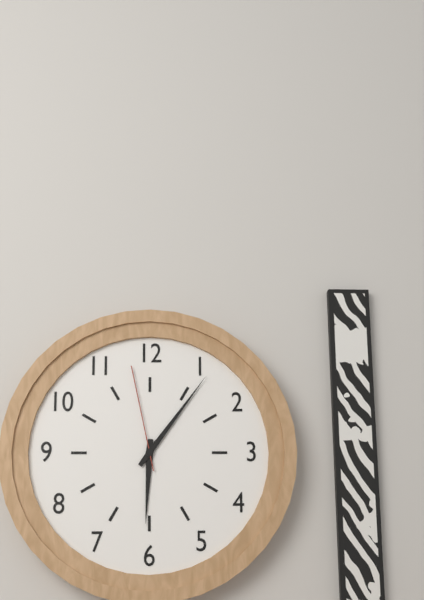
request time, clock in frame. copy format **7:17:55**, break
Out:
**6:06:58**
